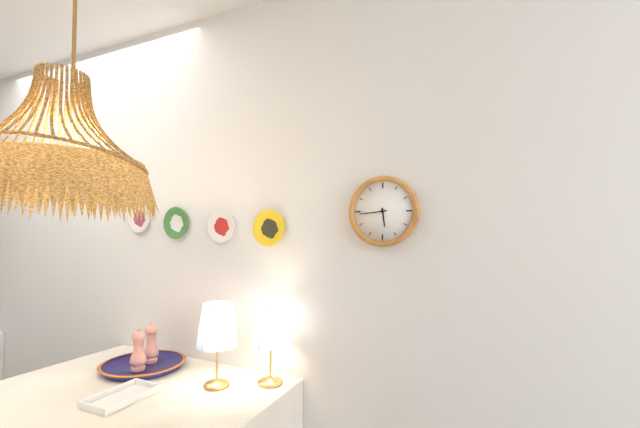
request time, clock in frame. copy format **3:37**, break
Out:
**5:44**
